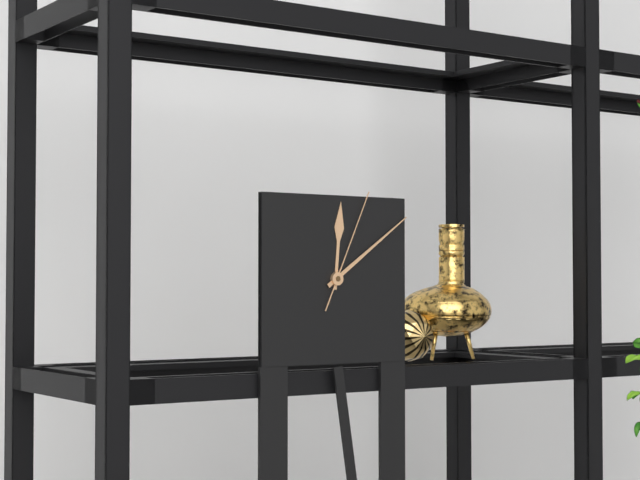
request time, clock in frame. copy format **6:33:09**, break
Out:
**12:09:04**
